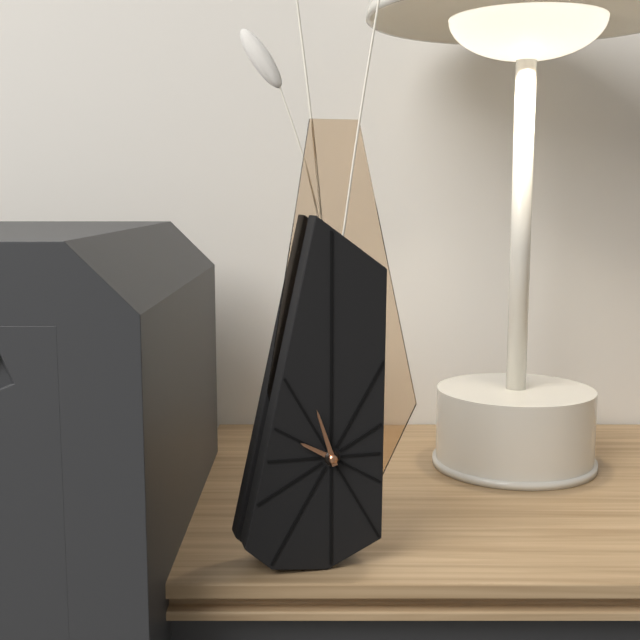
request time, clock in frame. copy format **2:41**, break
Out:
**9:57**
